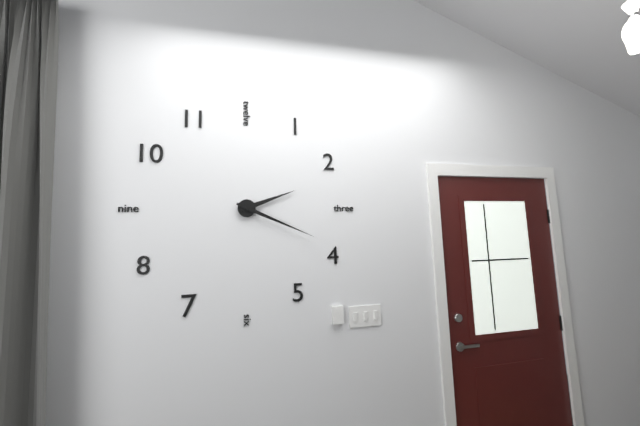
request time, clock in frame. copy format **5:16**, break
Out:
**2:19**
